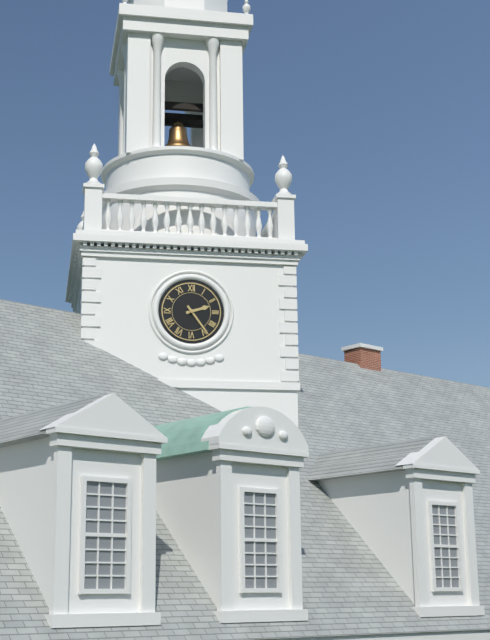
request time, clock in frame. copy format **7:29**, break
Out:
**2:24**
